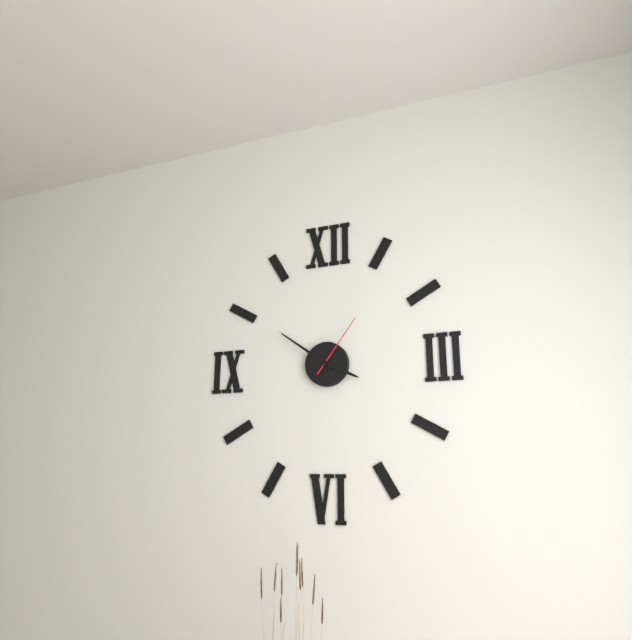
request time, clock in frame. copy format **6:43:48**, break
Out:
**3:51:06**
